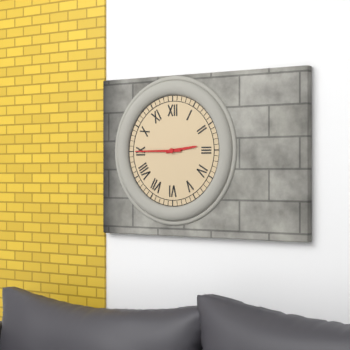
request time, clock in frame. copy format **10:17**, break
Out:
**2:45**
